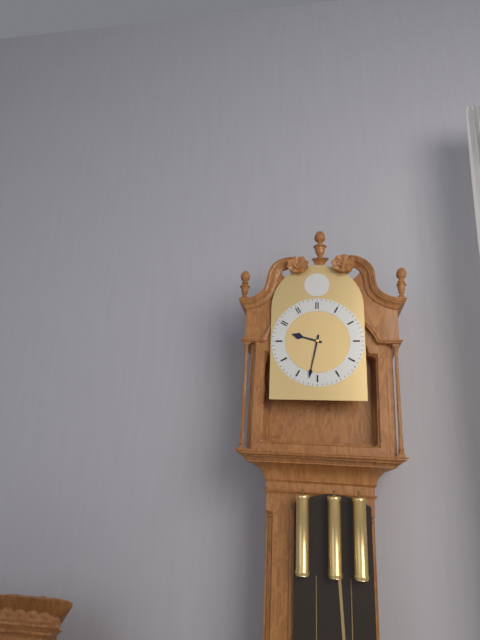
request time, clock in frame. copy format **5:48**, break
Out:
**9:32**
